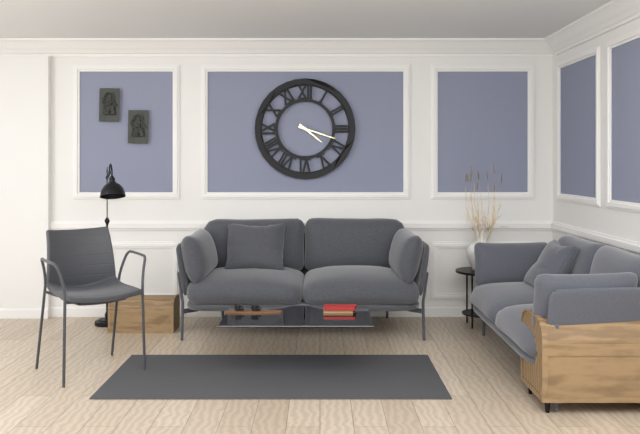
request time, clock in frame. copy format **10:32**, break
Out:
**4:18**
